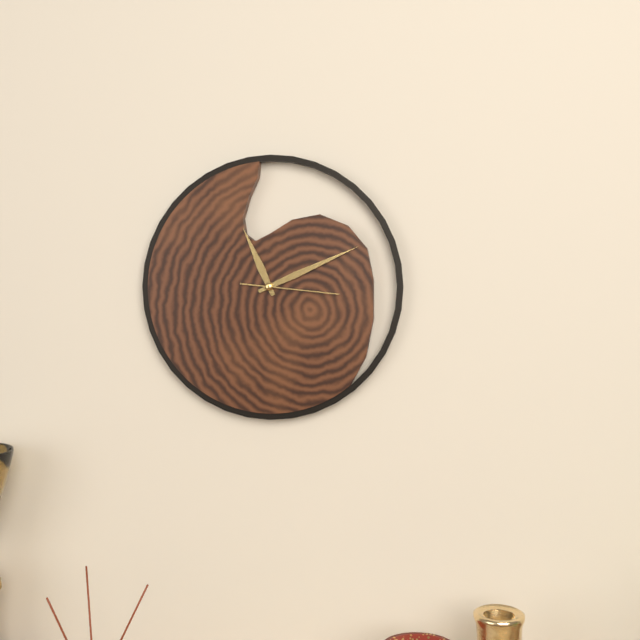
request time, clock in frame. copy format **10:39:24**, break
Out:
**11:11:16**
